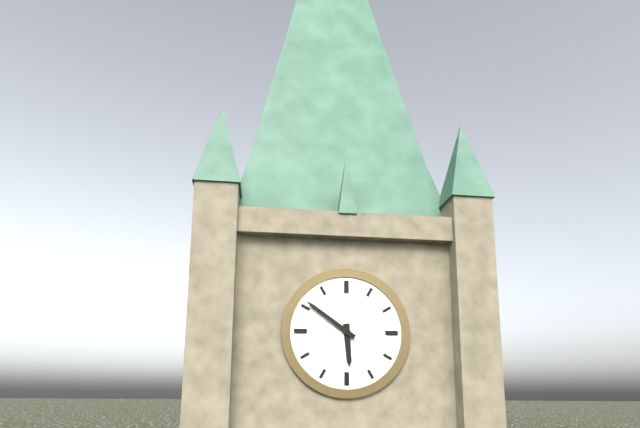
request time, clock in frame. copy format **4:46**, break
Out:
**5:51**
